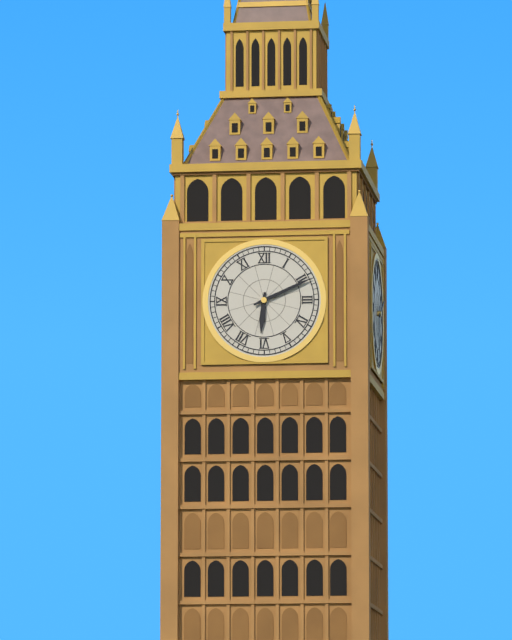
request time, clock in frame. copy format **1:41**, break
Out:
**6:11**
